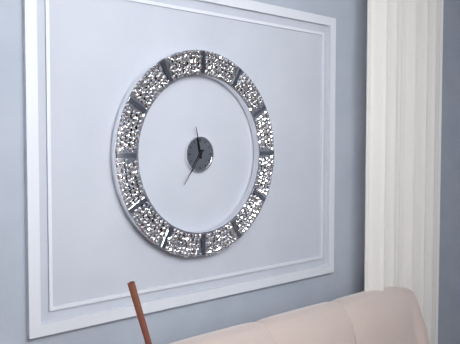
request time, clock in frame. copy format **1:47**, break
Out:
**11:36**
